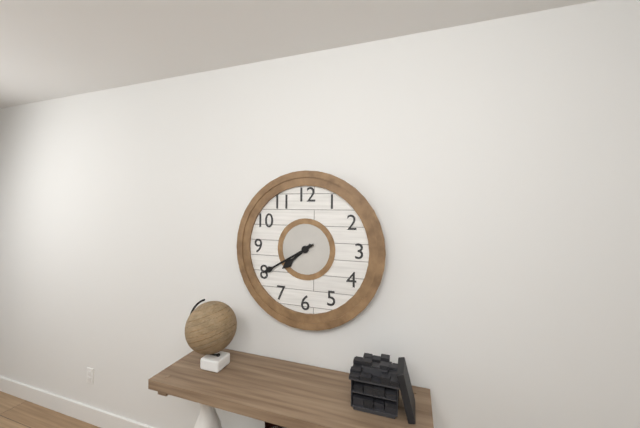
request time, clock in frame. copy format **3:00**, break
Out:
**7:40**
